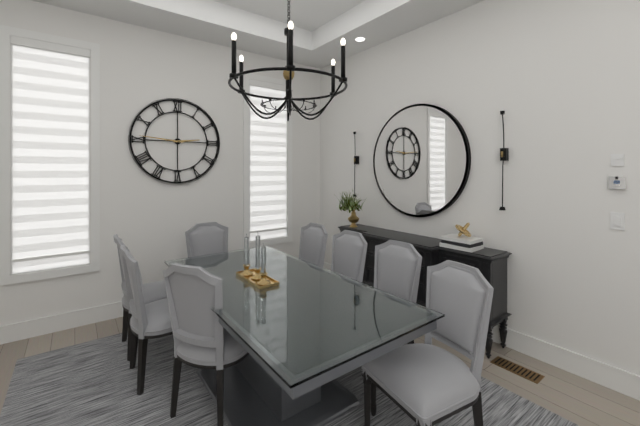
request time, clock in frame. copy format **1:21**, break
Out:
**2:46**
